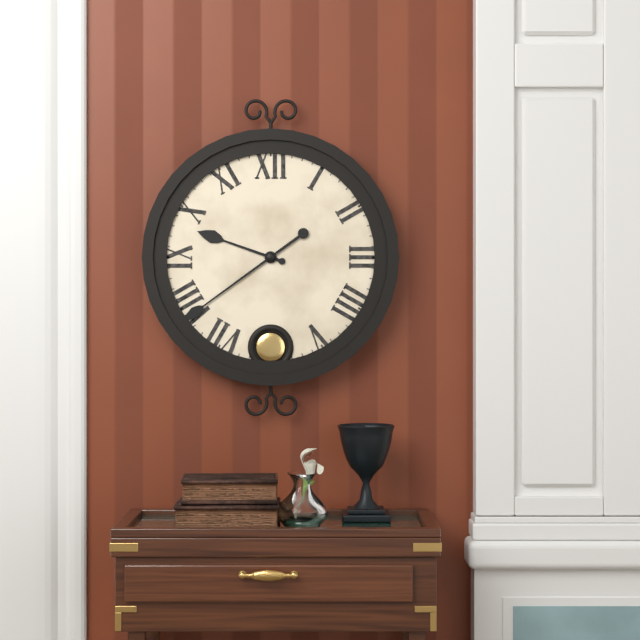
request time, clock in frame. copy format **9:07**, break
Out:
**9:39**
